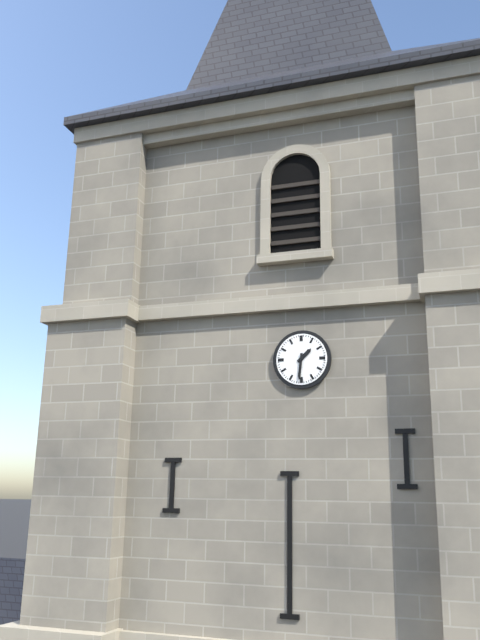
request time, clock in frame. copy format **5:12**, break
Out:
**1:31**
